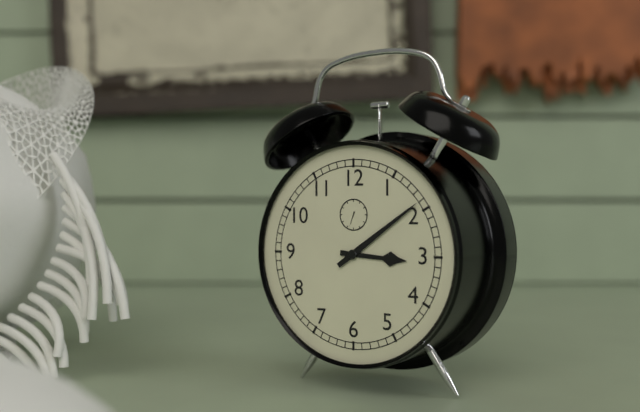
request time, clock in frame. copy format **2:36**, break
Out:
**3:09**
